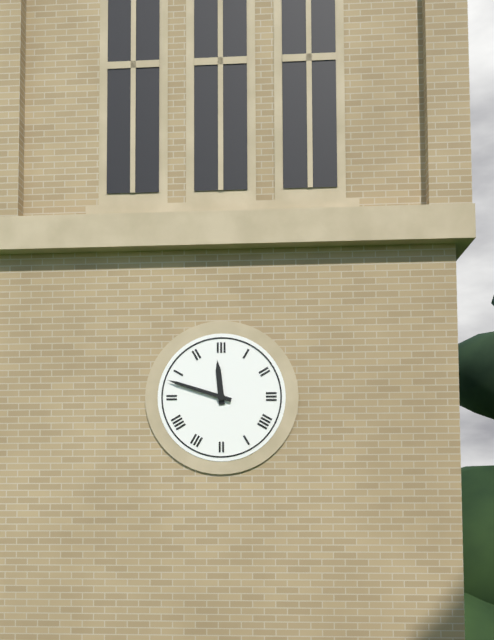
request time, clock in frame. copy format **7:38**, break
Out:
**11:48**
